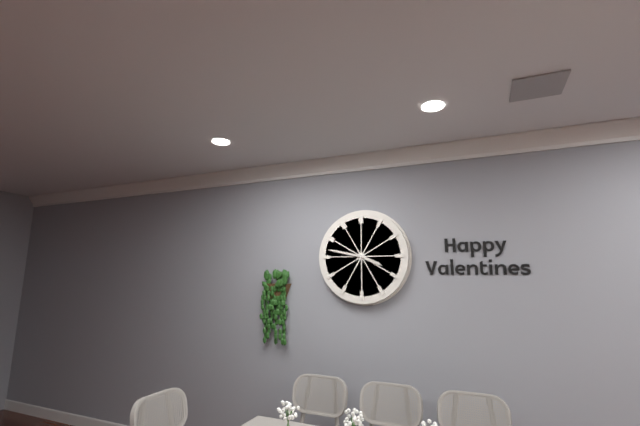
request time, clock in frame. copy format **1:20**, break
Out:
**3:47**
